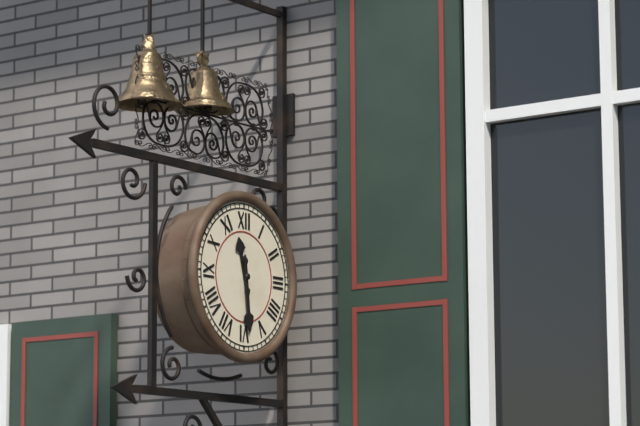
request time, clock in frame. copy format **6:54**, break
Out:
**11:29**
